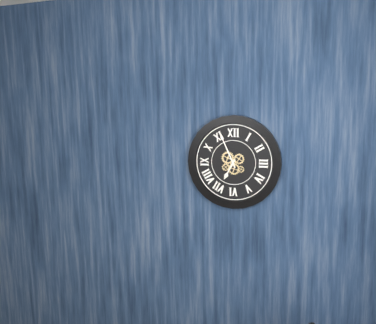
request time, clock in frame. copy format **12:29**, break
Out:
**6:56**
